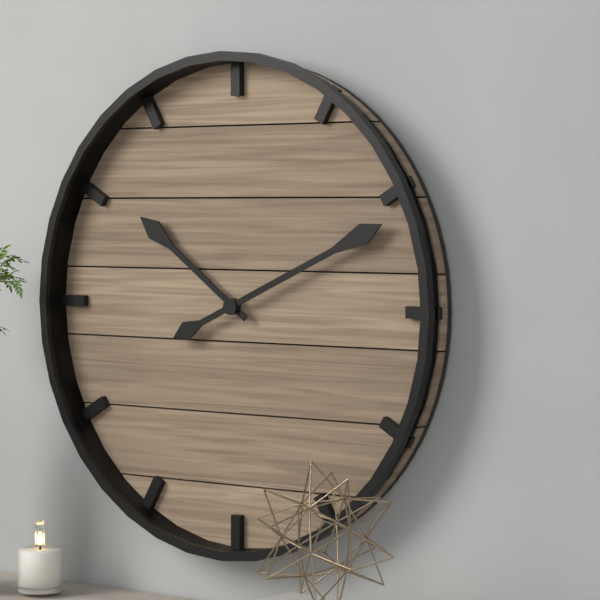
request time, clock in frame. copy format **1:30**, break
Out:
**10:11**
